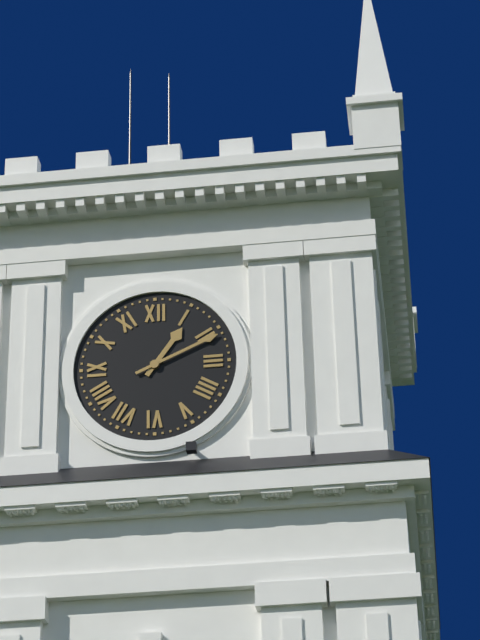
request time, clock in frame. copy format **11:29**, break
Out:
**1:11**
